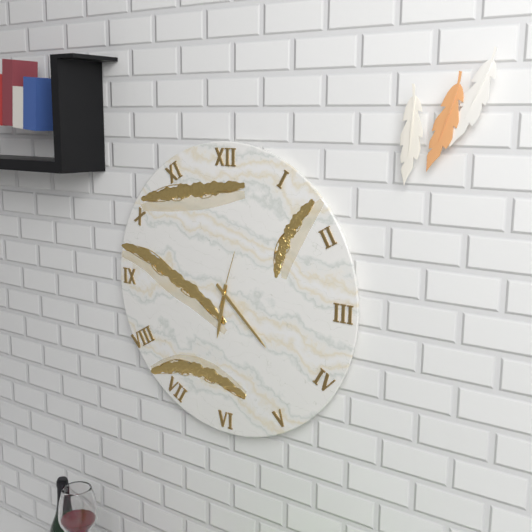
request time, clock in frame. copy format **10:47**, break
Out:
**6:22**
